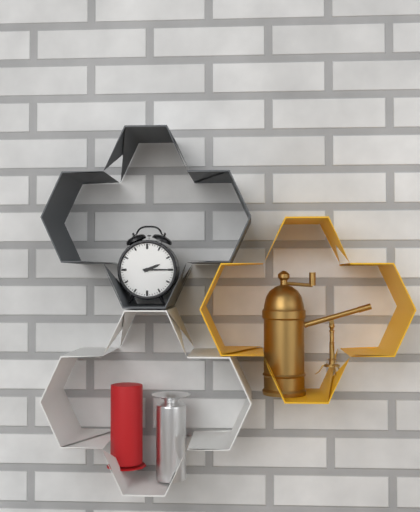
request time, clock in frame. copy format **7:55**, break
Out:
**2:15**
